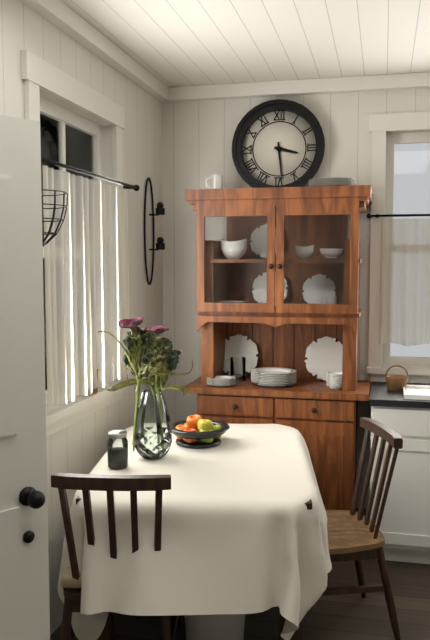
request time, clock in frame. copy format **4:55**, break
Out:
**3:29**
